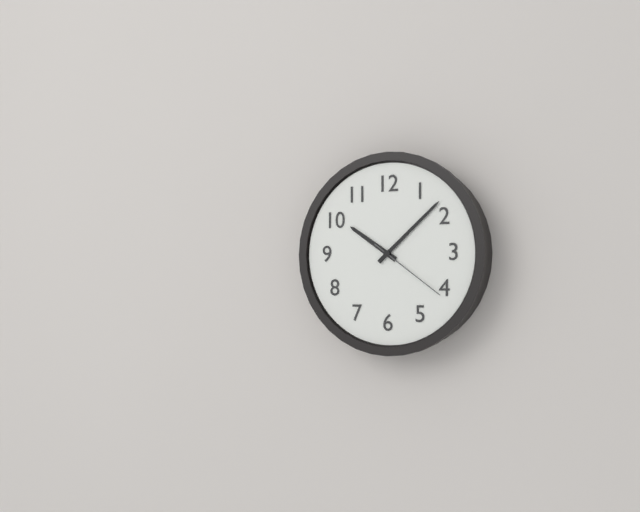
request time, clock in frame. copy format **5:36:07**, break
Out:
**10:08:21**
